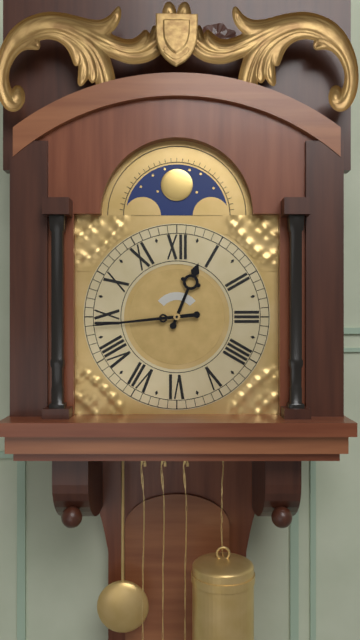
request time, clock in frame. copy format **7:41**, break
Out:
**12:44**
